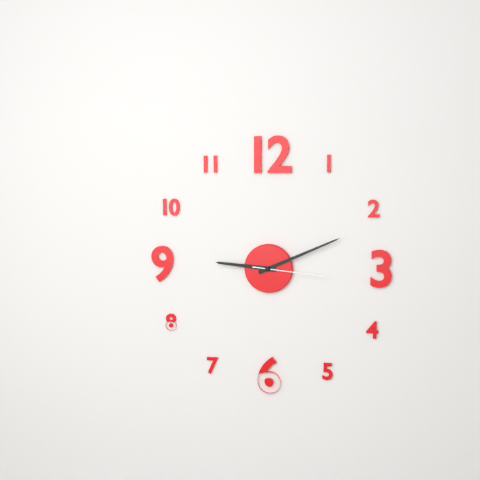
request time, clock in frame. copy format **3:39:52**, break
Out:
**9:11:16**
